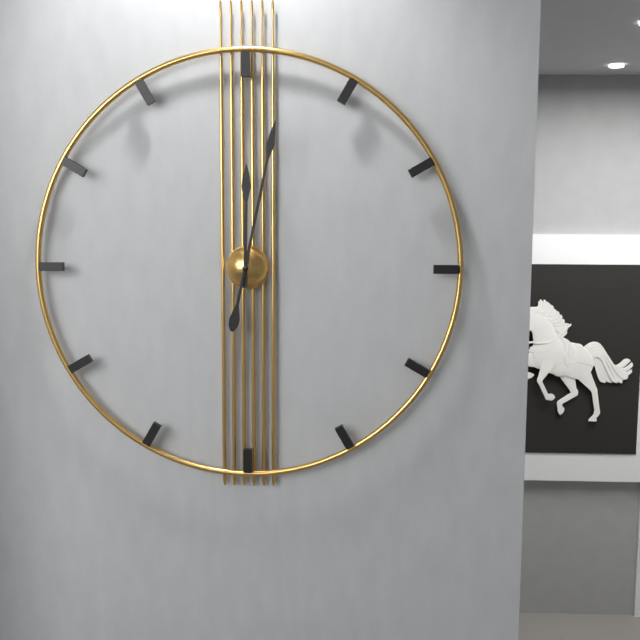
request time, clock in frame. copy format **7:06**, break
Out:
**12:02**
